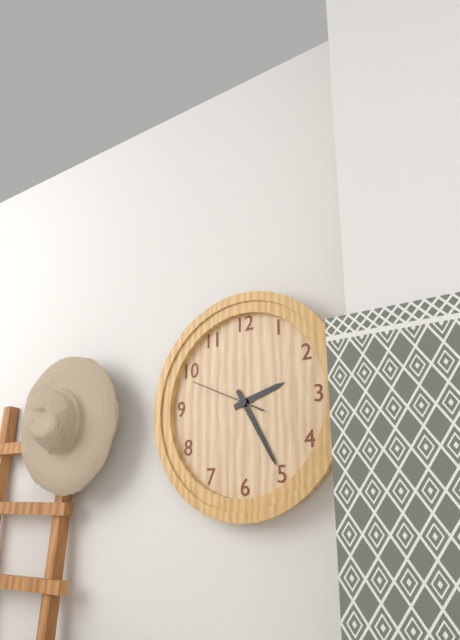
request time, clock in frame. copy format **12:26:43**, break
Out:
**2:25:49**
